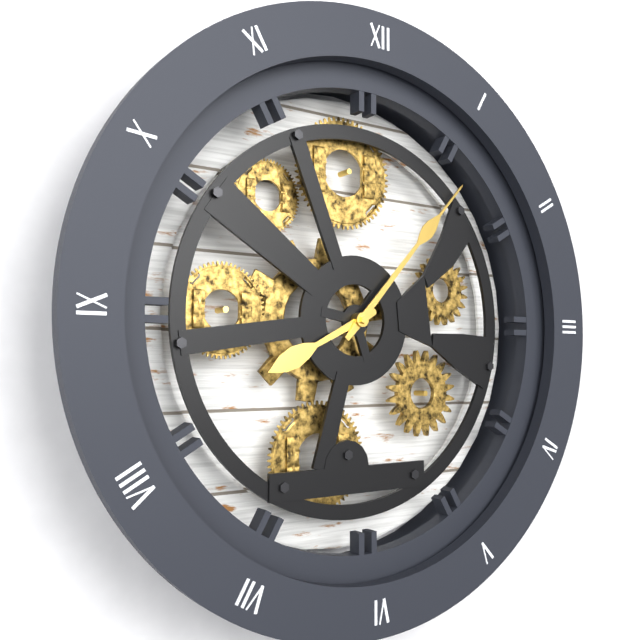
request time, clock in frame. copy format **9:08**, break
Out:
**8:07**
